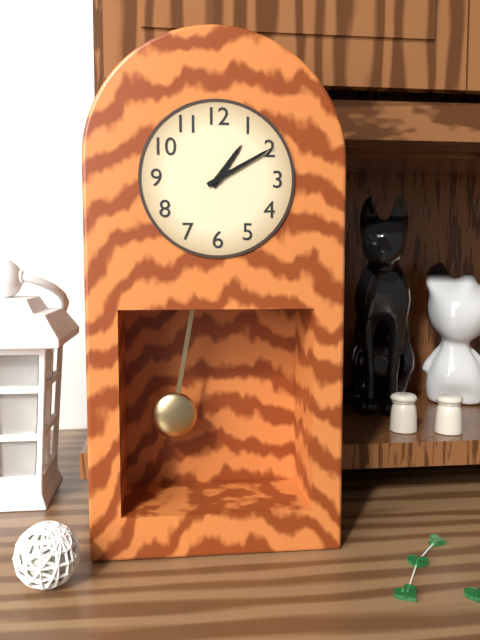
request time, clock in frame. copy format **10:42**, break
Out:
**1:10**
